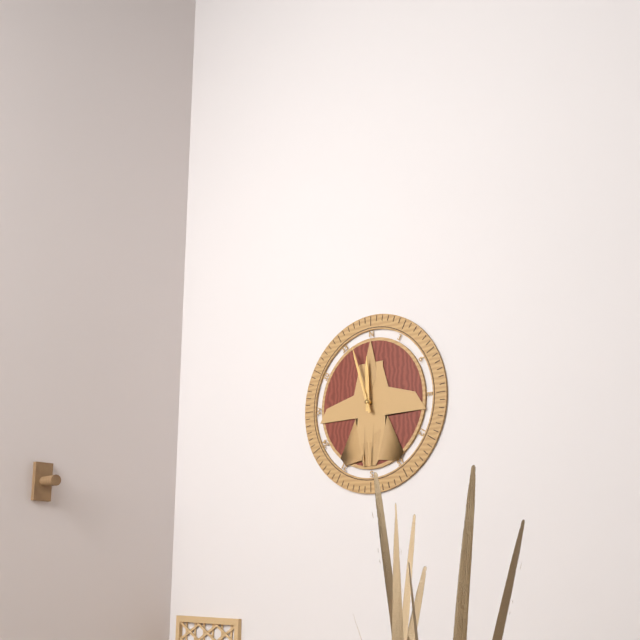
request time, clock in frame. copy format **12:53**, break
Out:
**11:57**
